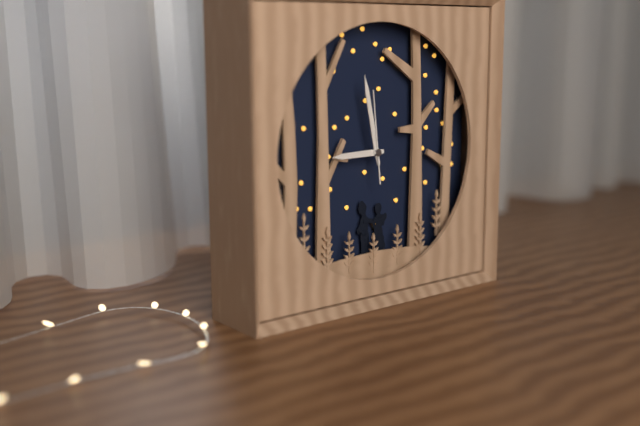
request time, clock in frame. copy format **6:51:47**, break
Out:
**8:58:59**
